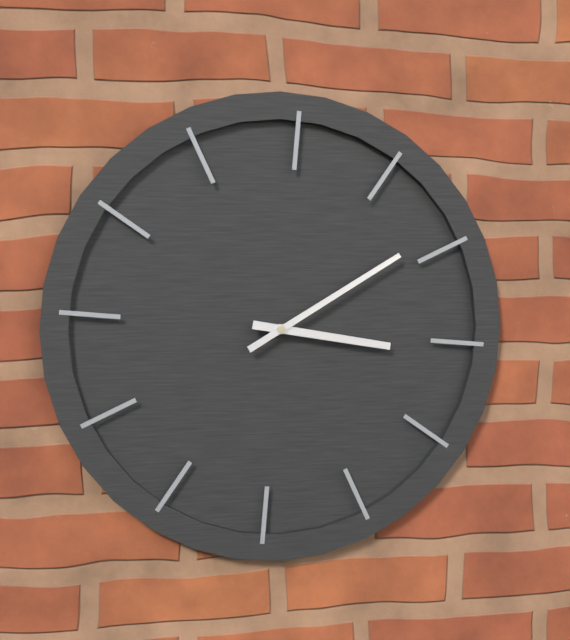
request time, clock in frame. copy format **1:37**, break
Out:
**3:09**
